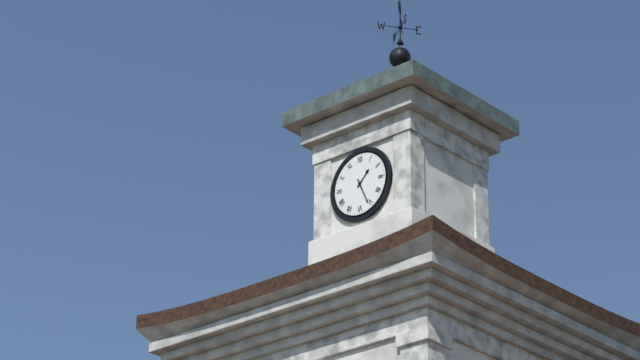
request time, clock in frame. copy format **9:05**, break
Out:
**1:26**
